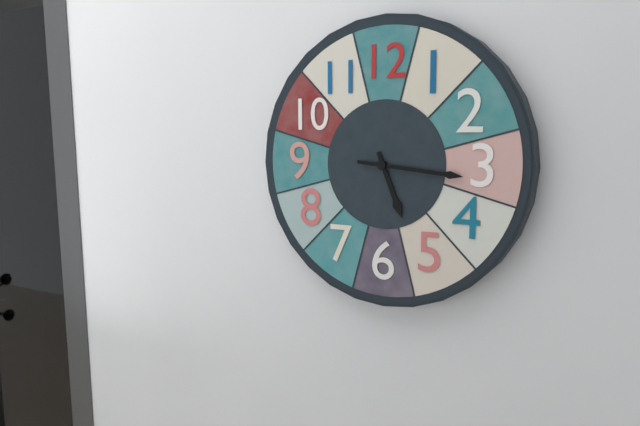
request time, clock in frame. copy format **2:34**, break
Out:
**5:16**
